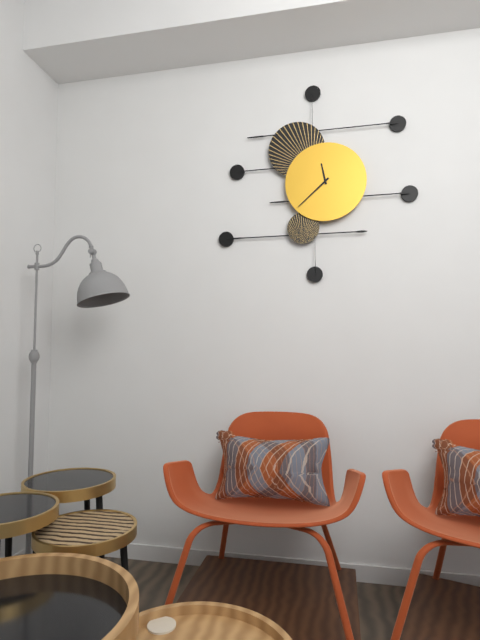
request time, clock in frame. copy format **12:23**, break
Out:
**11:38**
